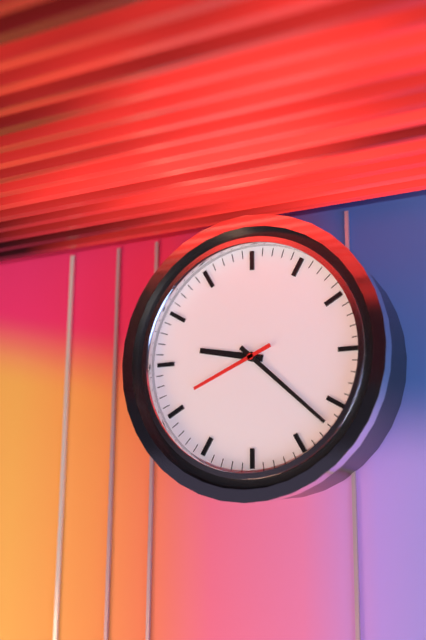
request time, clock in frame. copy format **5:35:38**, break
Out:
**9:22:41**
